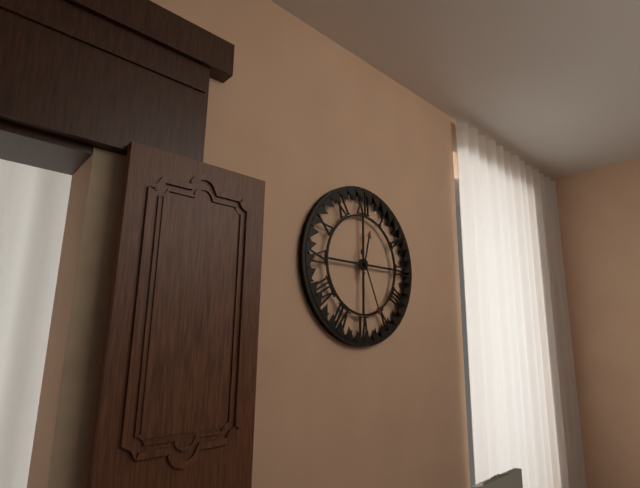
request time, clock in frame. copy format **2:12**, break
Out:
**12:26**
